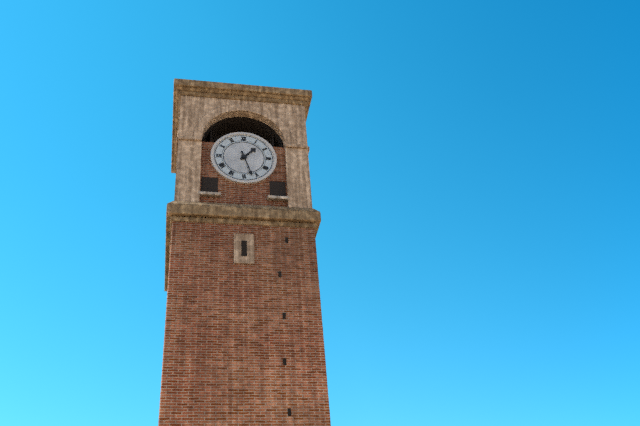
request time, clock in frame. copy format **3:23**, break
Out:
**1:27**
